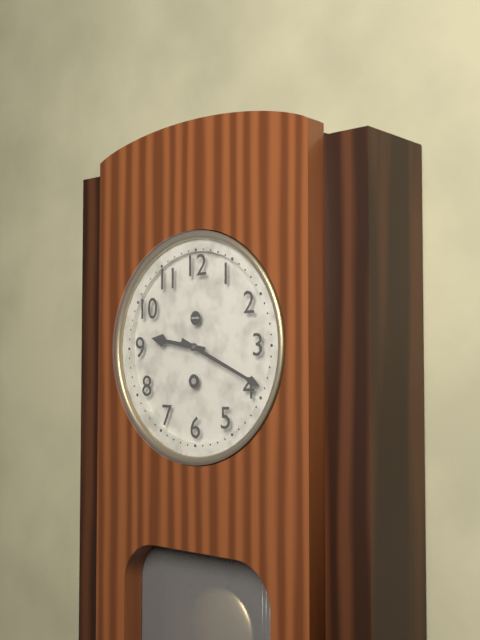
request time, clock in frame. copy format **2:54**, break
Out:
**9:19**
